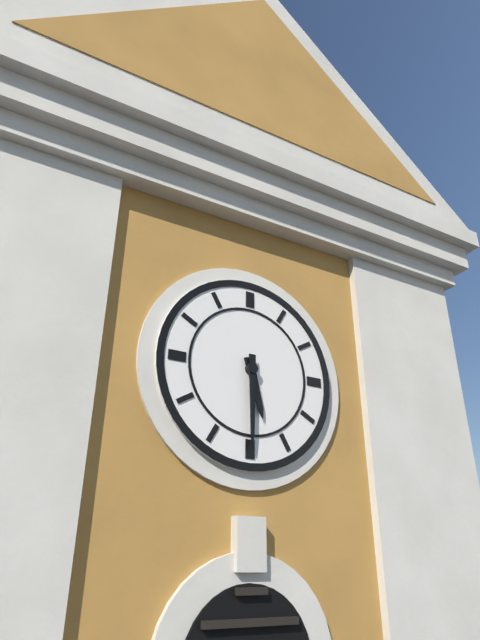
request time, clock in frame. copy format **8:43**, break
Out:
**5:30**
